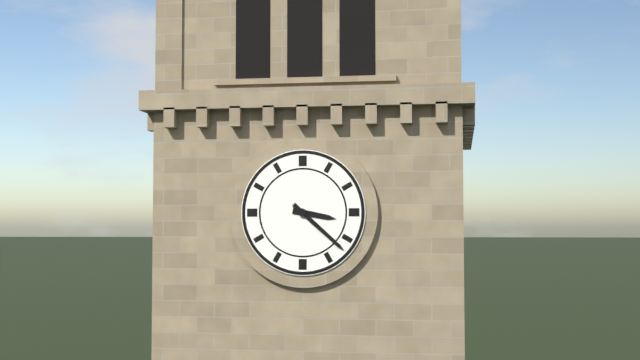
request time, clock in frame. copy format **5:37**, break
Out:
**3:22**
